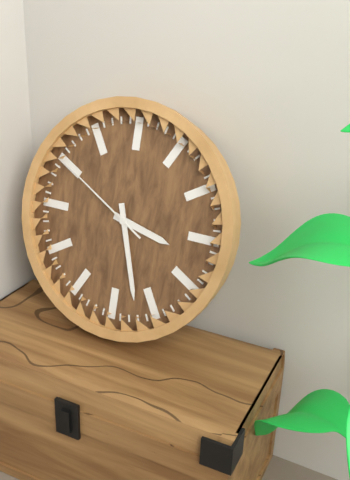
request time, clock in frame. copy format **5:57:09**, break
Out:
**3:27:50**
